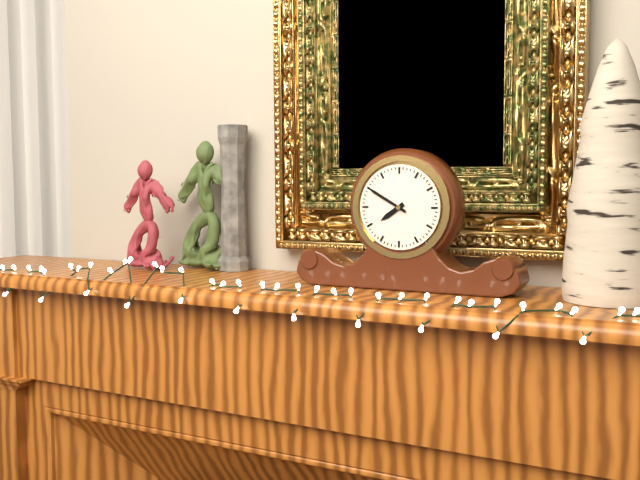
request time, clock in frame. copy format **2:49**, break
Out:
**7:50**
